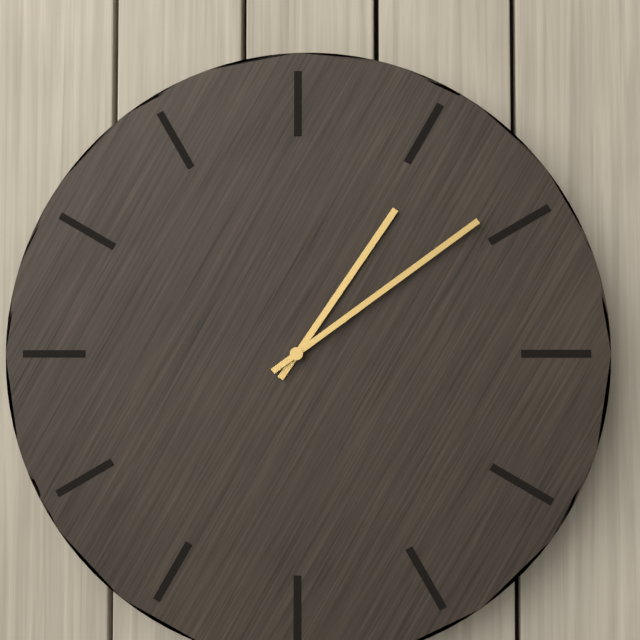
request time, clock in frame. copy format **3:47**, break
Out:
**1:09**
